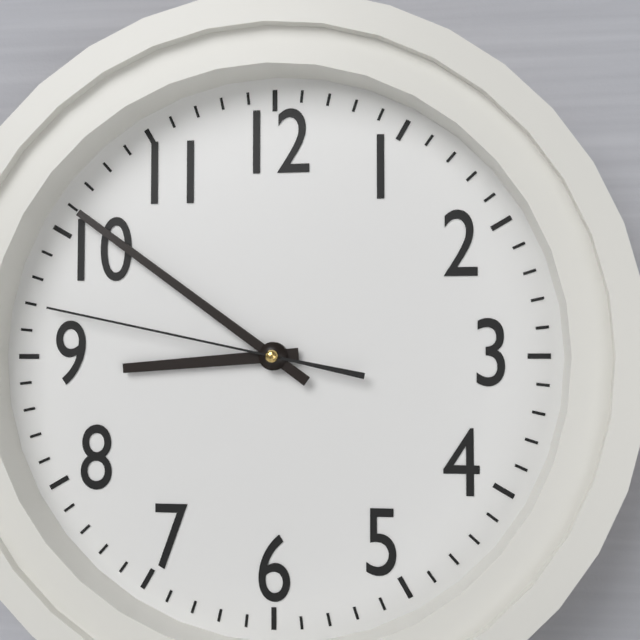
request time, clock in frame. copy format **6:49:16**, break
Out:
**8:51:47**
